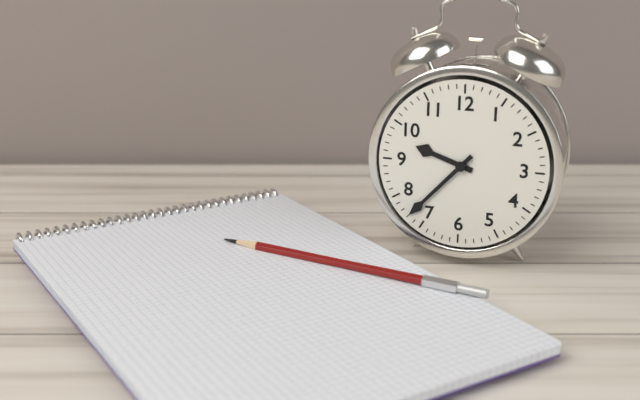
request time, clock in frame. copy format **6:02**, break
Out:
**9:37**
